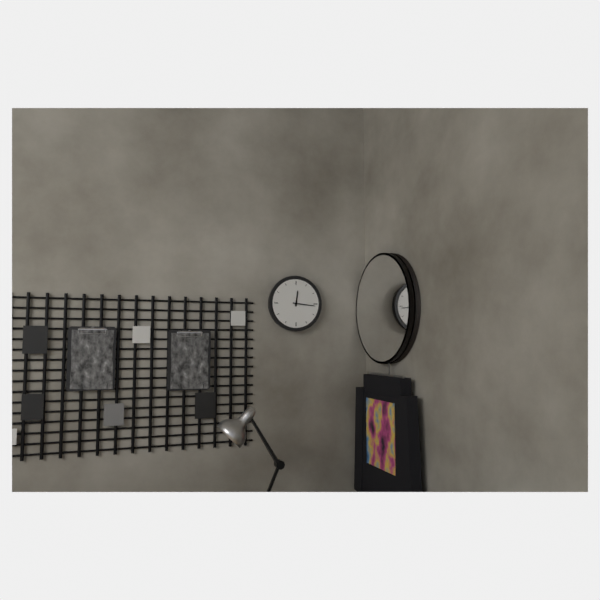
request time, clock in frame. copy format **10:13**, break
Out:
**12:16**
